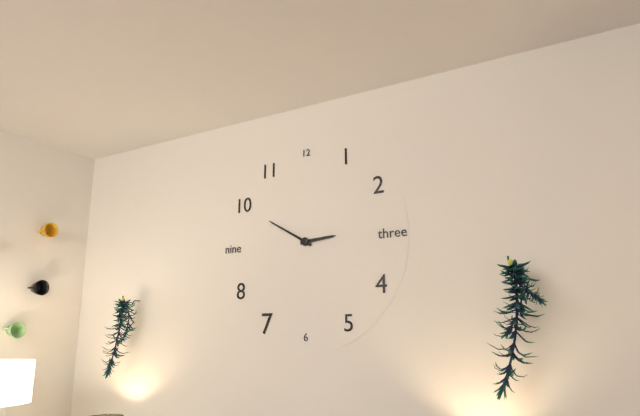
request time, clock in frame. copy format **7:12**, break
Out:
**2:50**
